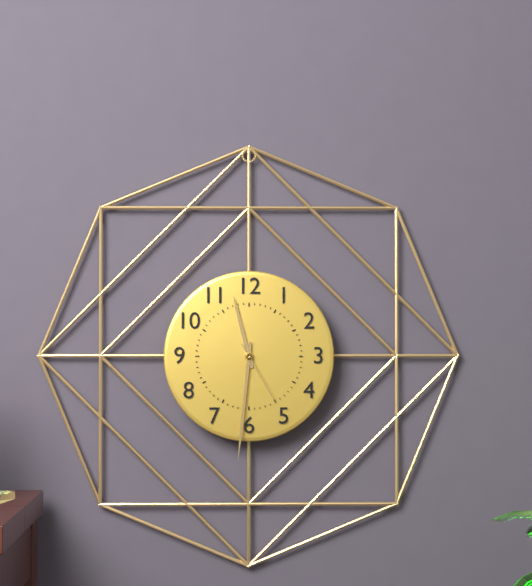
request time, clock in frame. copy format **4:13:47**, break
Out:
**11:31:25**
